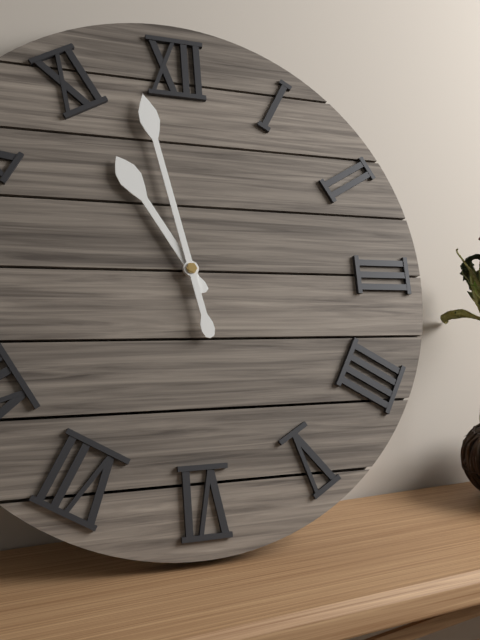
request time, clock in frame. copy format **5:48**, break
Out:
**10:58**
